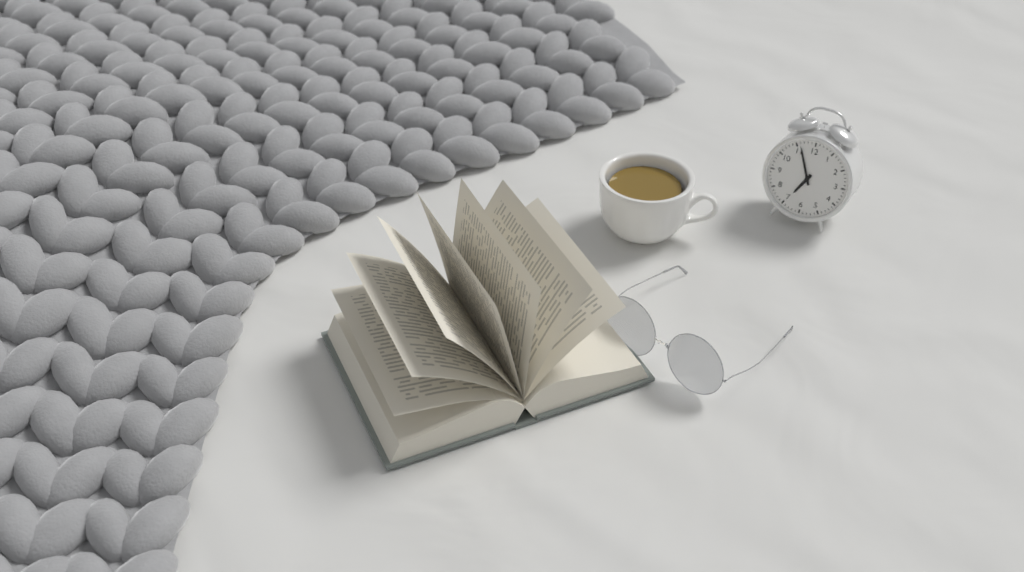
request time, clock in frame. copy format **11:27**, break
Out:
**6:56**
